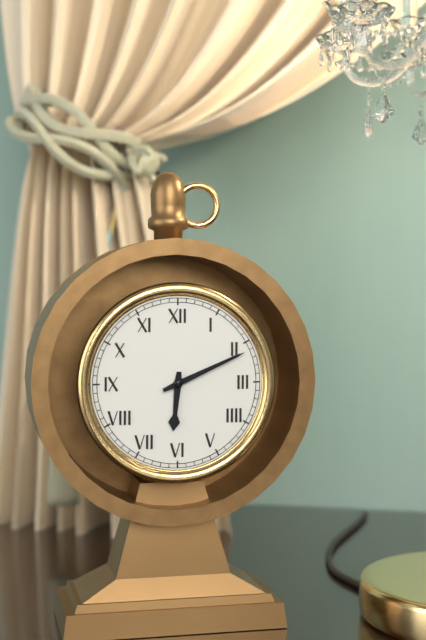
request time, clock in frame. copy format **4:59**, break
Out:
**6:11**
